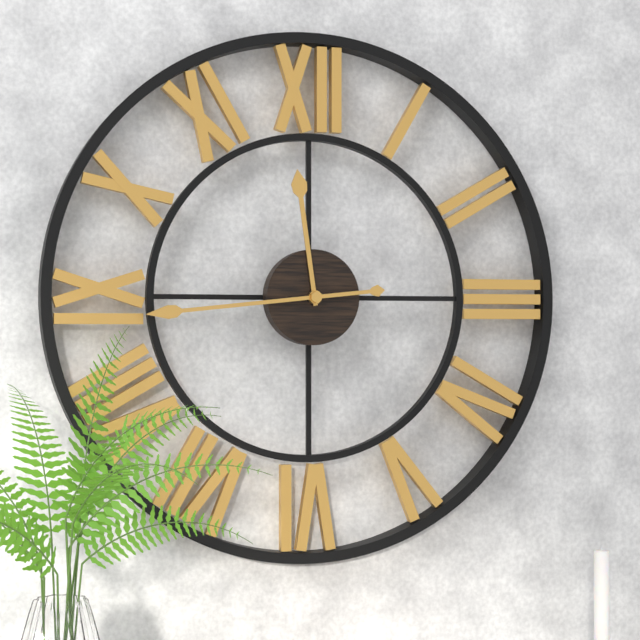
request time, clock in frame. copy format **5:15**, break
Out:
**11:44**
